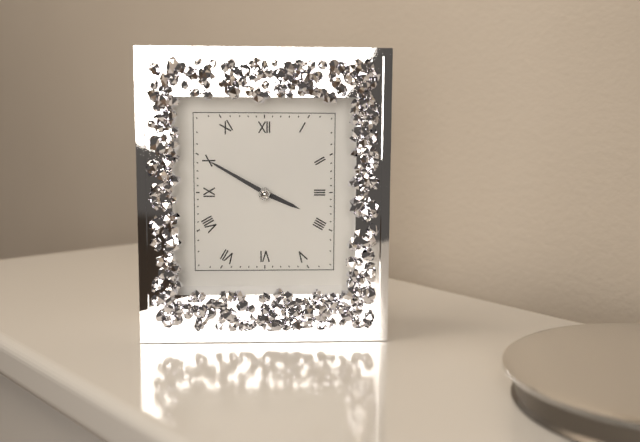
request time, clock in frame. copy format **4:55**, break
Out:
**3:50**
